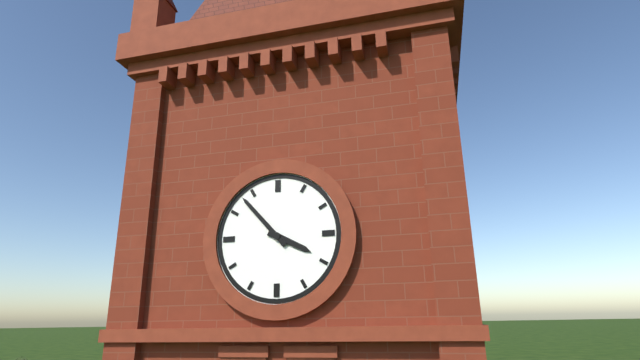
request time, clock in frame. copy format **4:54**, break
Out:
**3:53**
